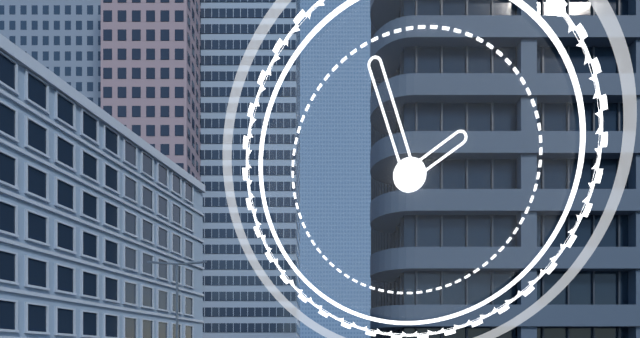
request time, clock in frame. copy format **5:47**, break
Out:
**1:57**
